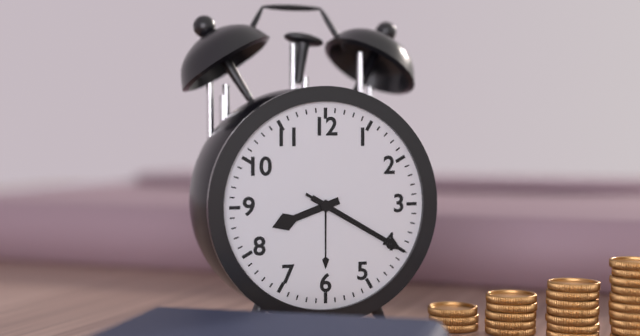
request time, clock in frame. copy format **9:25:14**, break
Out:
**8:20:20**
